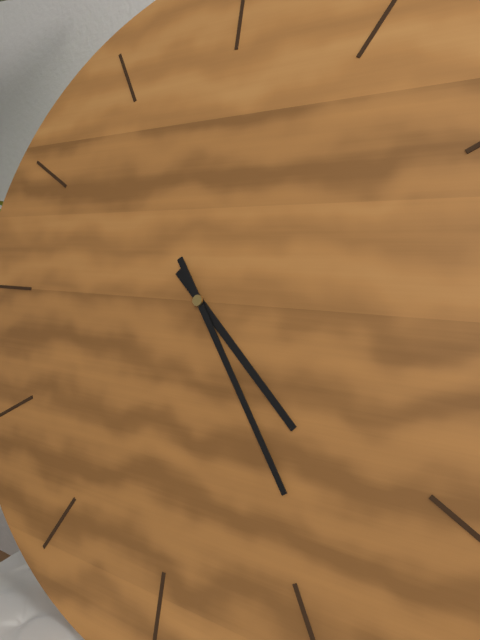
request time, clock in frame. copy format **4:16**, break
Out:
**4:24**
